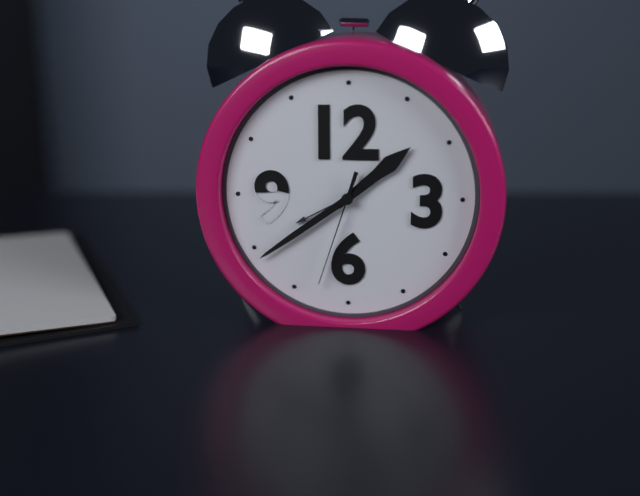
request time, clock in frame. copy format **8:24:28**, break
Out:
**1:39:33**
